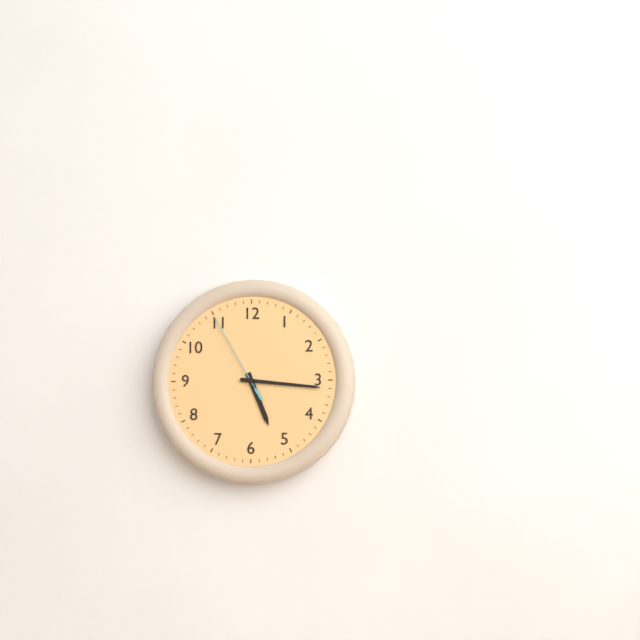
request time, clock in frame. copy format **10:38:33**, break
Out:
**5:16:55**
